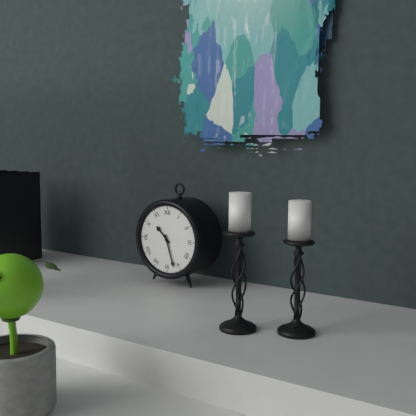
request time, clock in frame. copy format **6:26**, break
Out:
**10:27**
